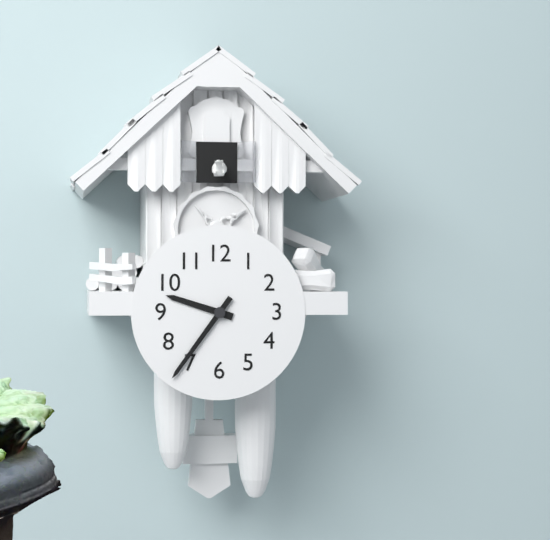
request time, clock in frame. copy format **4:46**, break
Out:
**9:36**
